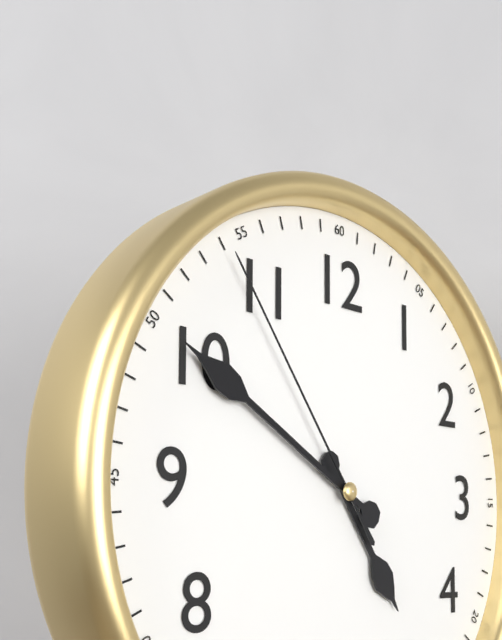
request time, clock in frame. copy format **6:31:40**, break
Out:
**4:50:54**
